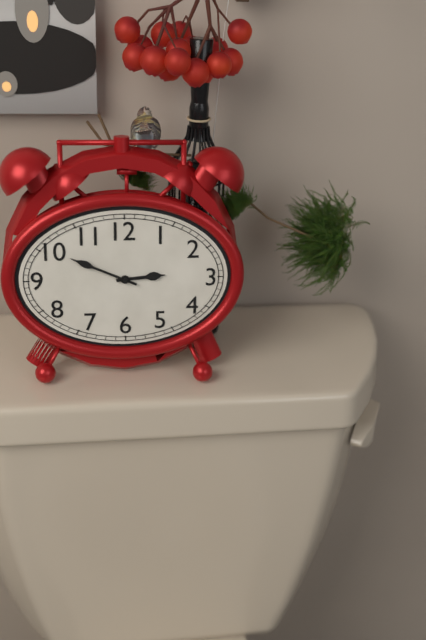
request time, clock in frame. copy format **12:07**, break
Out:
**2:49**
